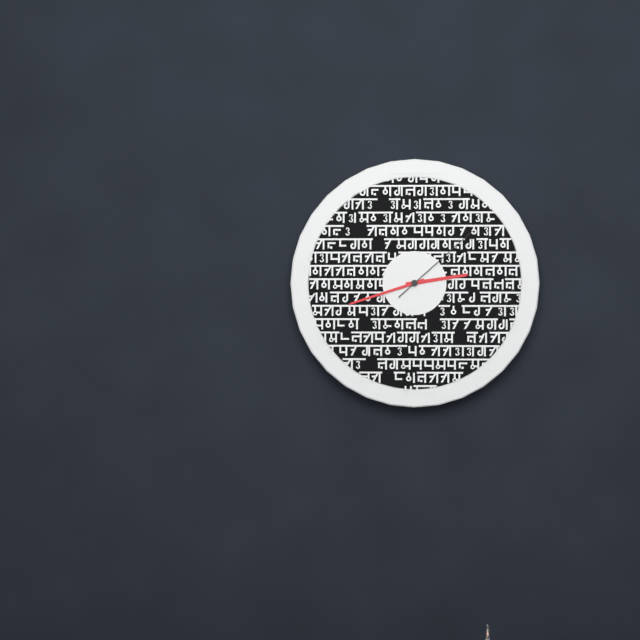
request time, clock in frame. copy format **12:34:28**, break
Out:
**2:42:08**
